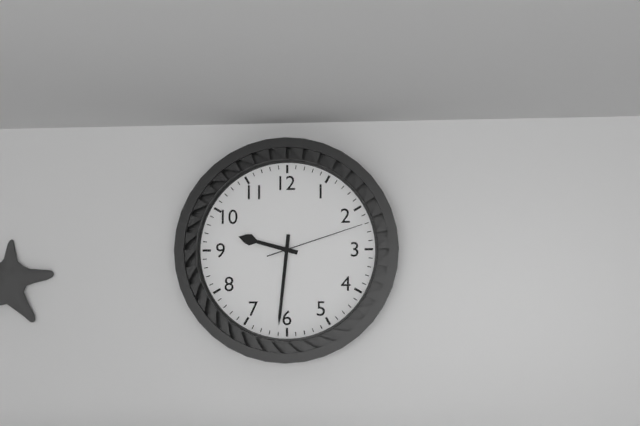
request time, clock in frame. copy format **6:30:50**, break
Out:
**9:31:12**
